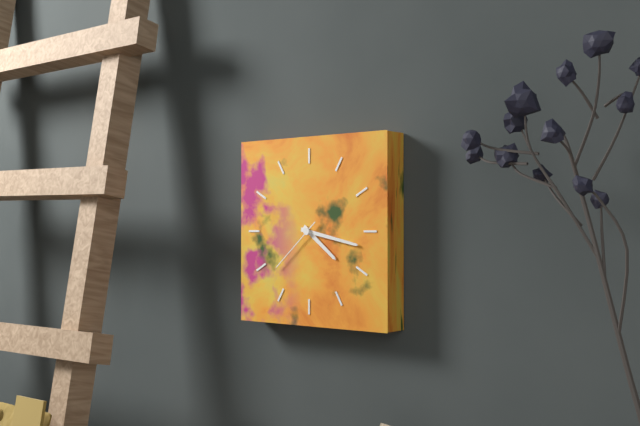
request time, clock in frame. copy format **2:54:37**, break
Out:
**4:17:38**
